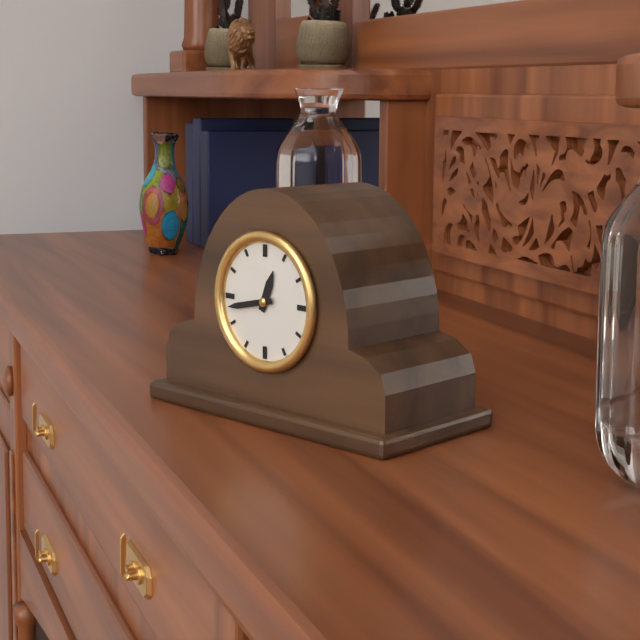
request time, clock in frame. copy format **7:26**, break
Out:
**12:43**
